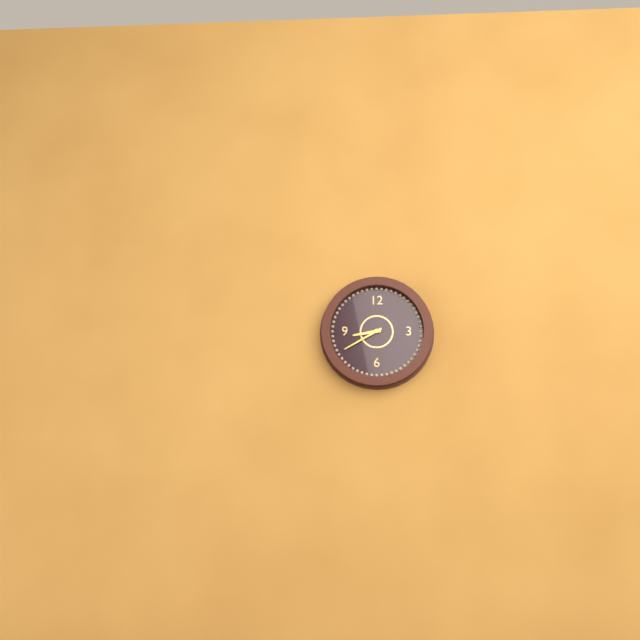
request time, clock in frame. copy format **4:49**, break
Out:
**8:40**
